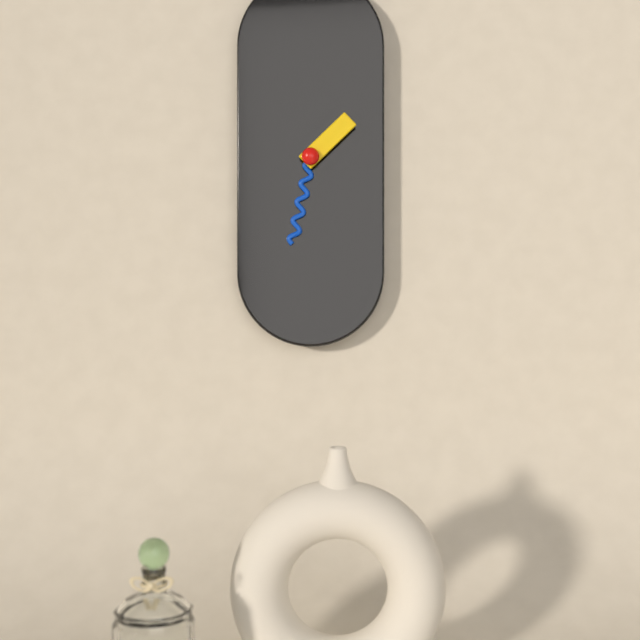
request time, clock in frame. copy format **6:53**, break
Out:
**1:32**
